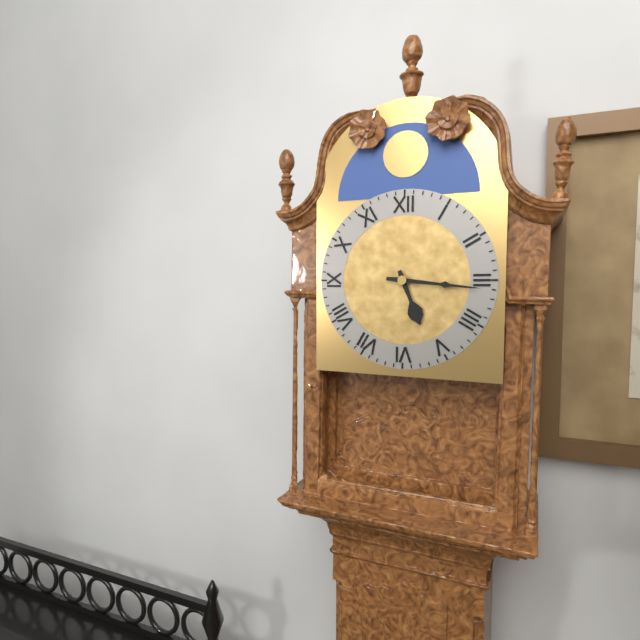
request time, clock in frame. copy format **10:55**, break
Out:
**5:16**
